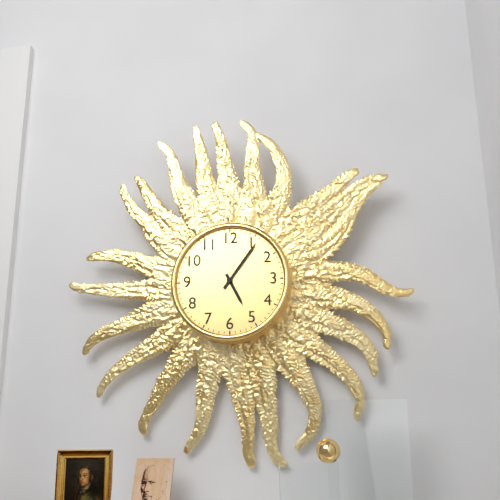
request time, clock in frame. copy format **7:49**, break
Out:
**5:06**
